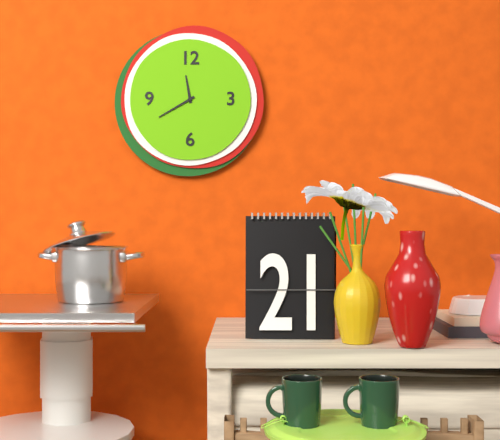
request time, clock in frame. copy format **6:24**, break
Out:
**11:40**
